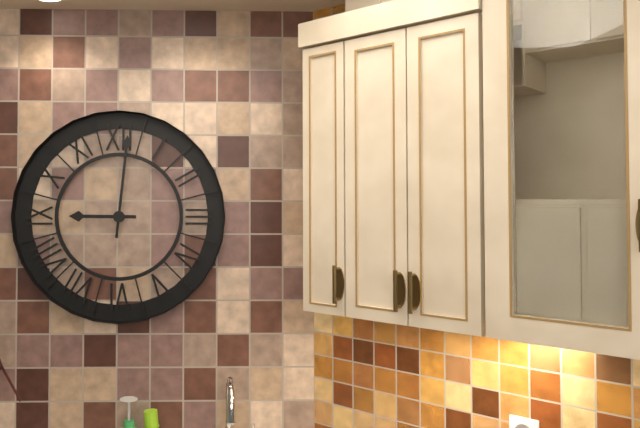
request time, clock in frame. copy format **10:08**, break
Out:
**9:01**
